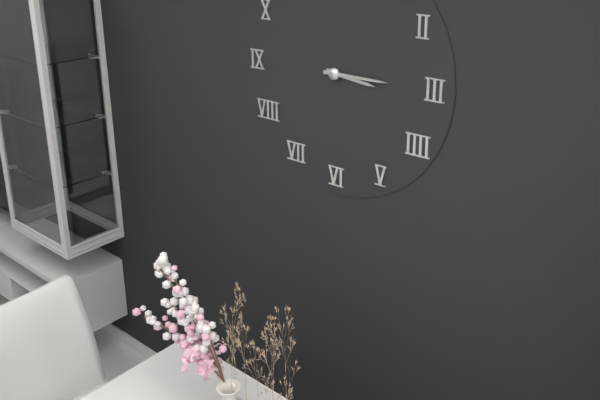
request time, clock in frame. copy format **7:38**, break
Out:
**3:15**
